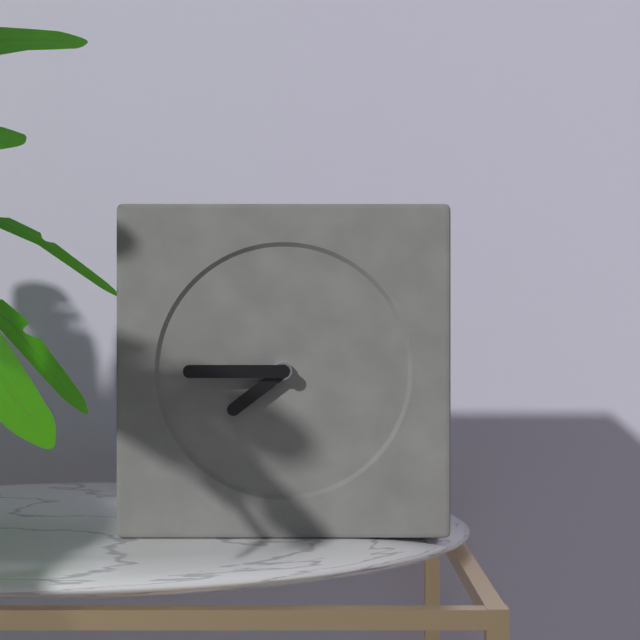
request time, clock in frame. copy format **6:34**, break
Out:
**7:45**
